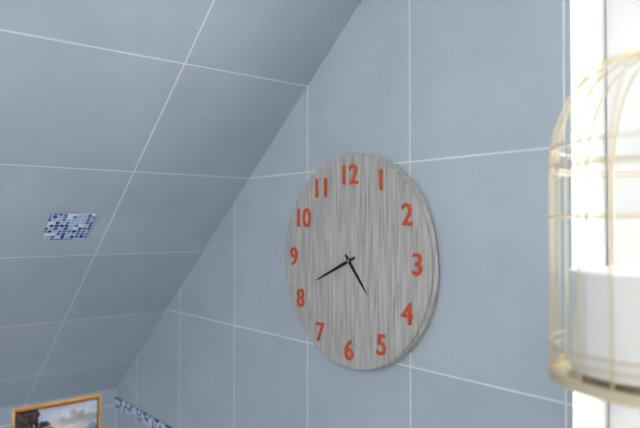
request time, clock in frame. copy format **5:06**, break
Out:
**4:41**
